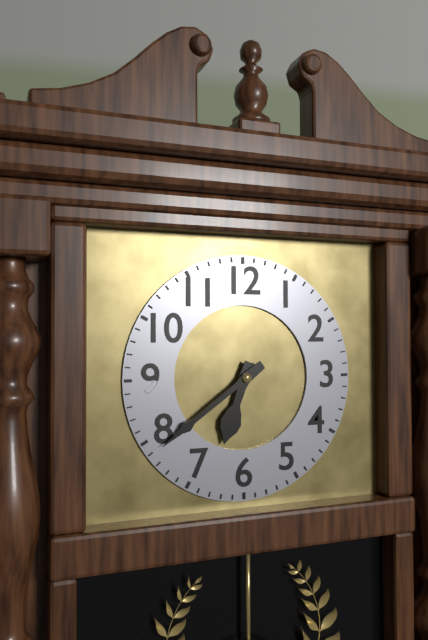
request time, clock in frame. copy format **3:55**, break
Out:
**6:39**
